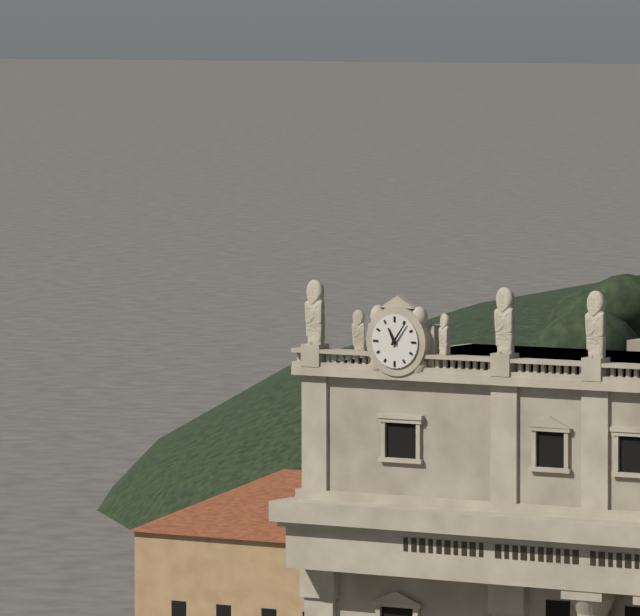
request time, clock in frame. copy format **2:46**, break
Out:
**11:06**
